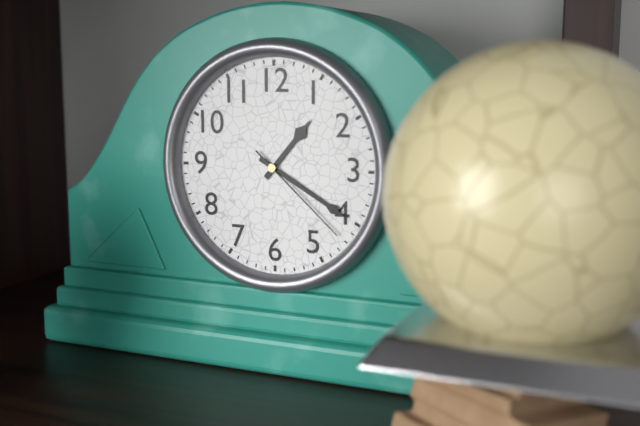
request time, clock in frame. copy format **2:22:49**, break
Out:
**1:20:22**
